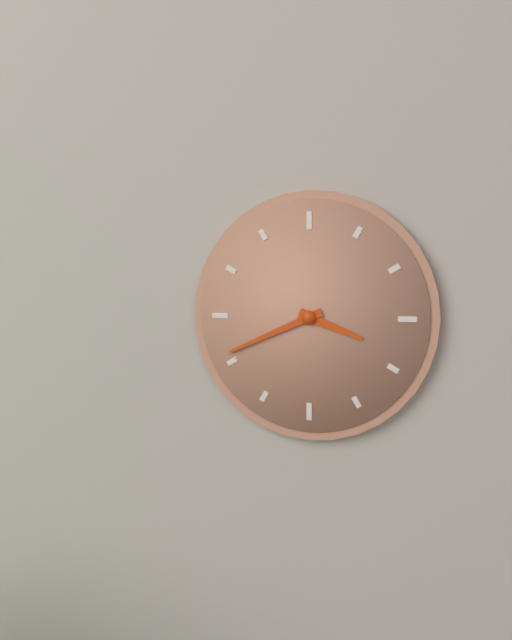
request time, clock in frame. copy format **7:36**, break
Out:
**3:41**
